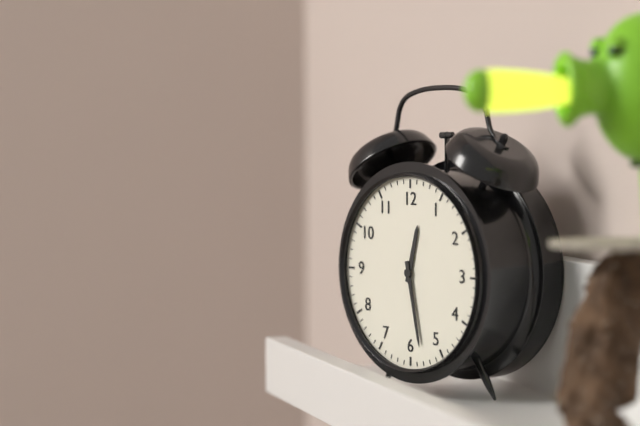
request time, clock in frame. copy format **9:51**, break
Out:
**12:28**
